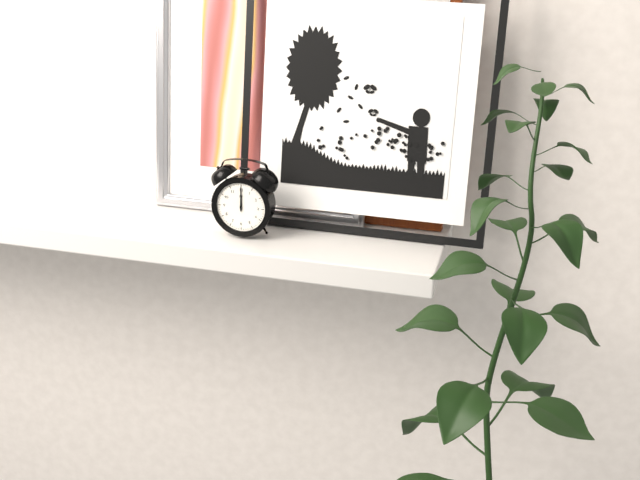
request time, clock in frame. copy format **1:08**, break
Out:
**12:00**
